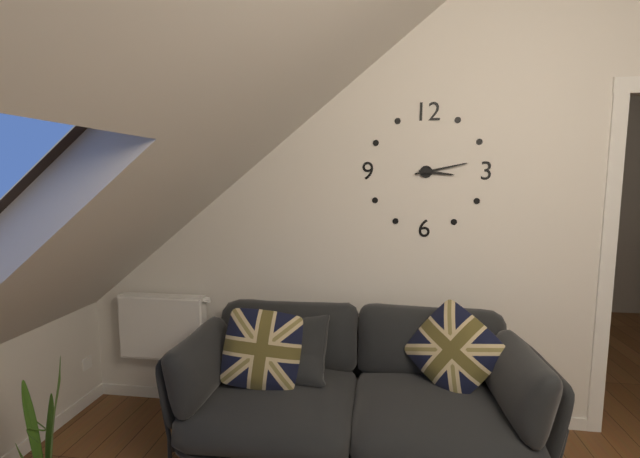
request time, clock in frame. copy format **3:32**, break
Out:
**3:13**
